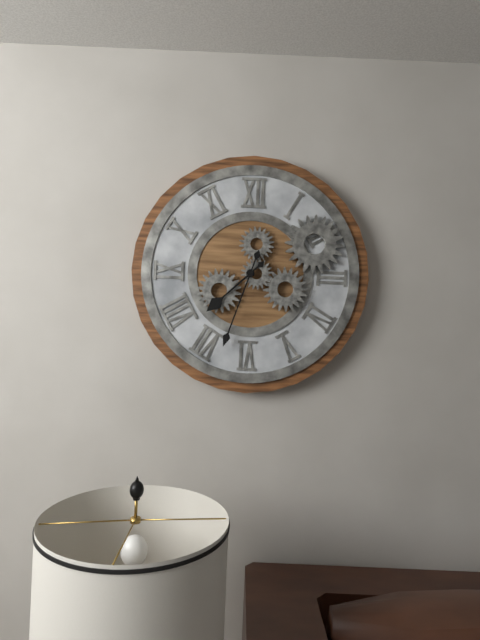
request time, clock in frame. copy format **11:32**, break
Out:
**7:33**
